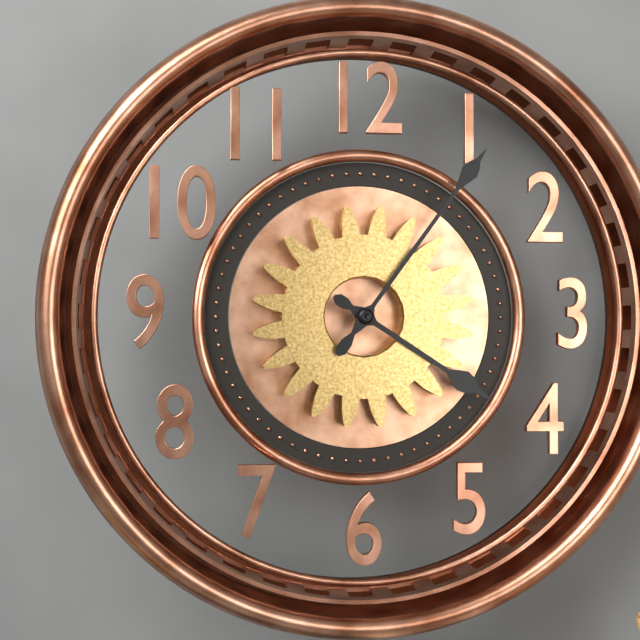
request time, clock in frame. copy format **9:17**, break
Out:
**4:06**
